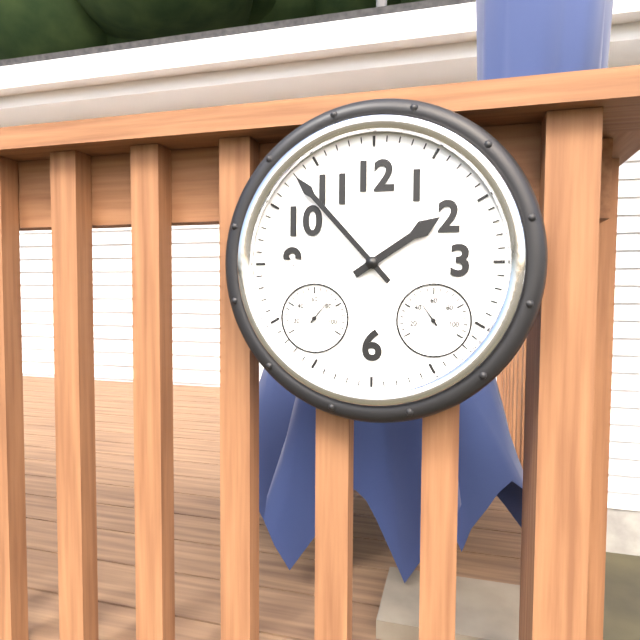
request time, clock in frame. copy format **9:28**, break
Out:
**1:53**
